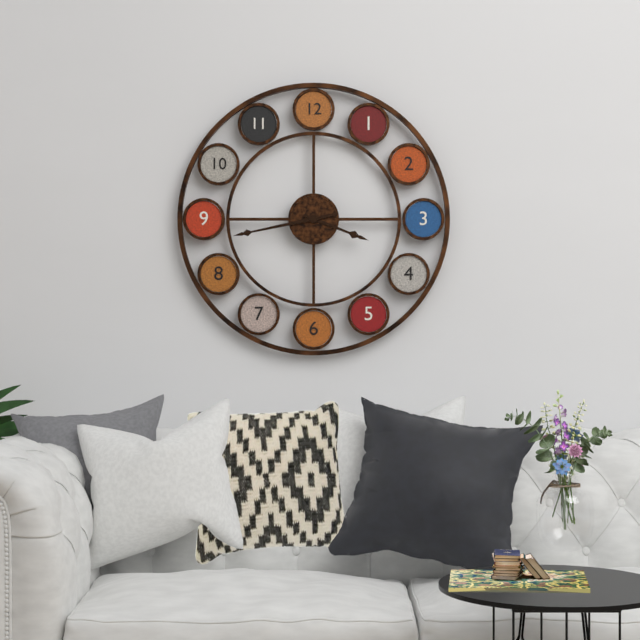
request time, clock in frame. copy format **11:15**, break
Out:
**3:43**
